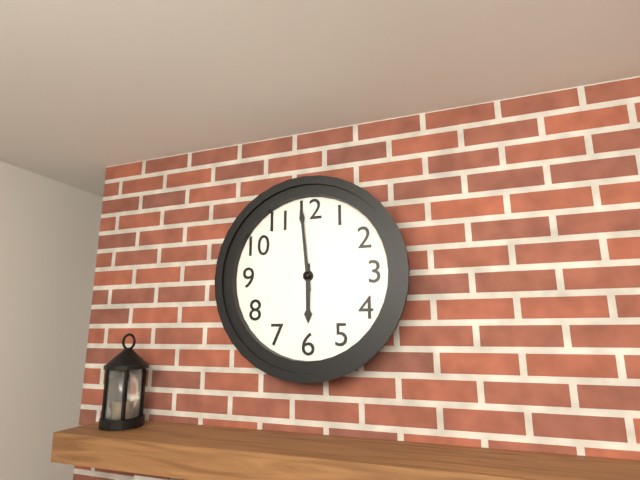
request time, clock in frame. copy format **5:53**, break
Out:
**5:59**
